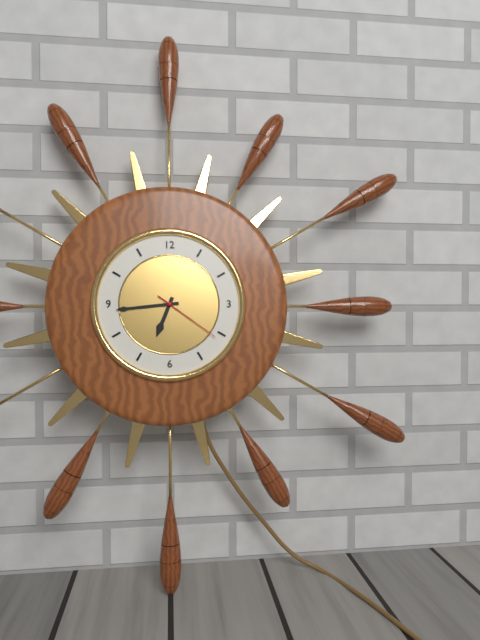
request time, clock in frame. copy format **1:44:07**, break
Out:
**6:44:21**
